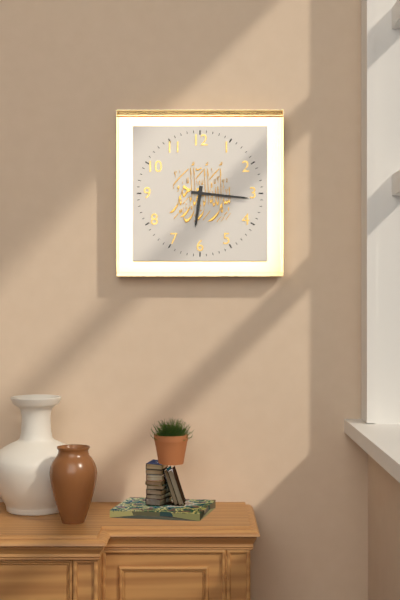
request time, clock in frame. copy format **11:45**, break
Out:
**6:16**
